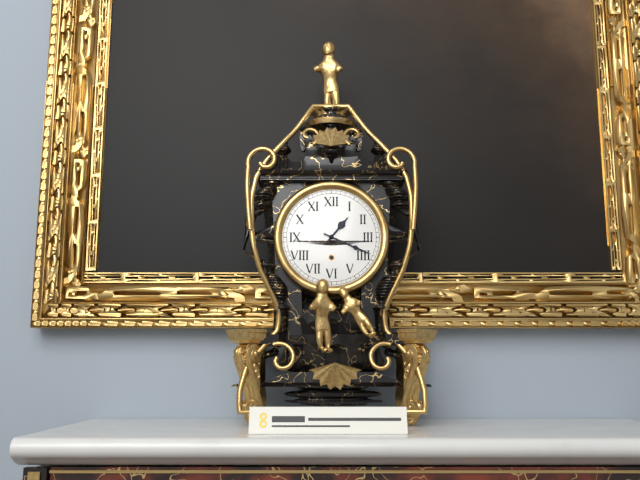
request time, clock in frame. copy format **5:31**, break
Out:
**1:19**
